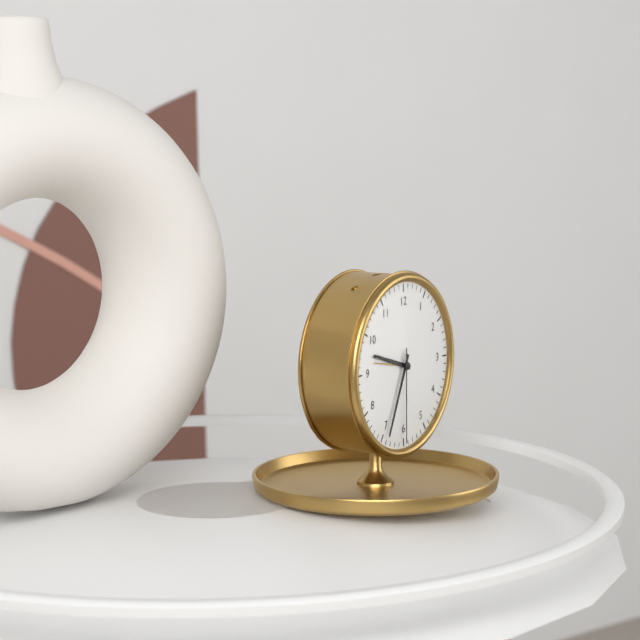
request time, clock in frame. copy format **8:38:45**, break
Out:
**9:34:30**
